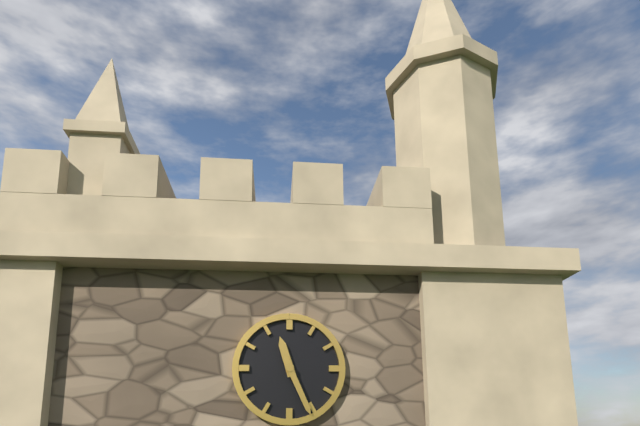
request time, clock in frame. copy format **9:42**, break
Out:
**11:26**
